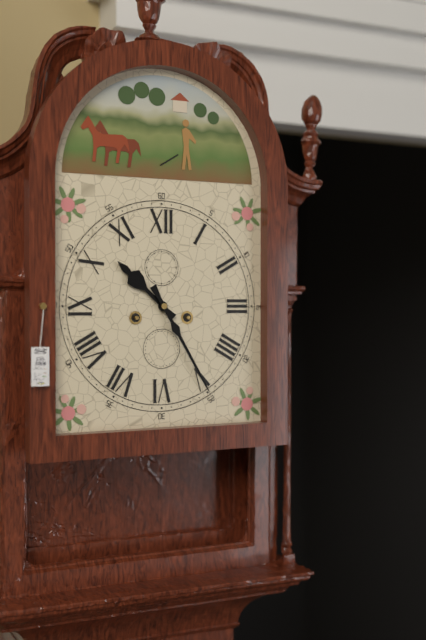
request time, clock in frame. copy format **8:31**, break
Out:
**10:25**
